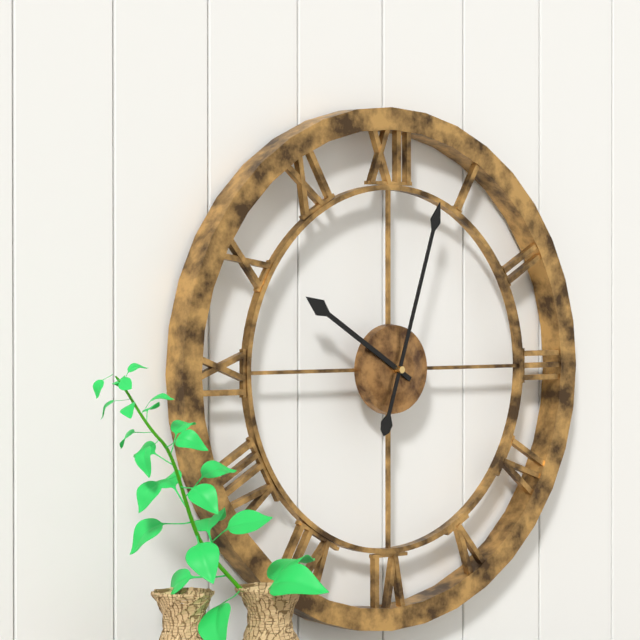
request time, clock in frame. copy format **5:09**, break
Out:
**10:03**
